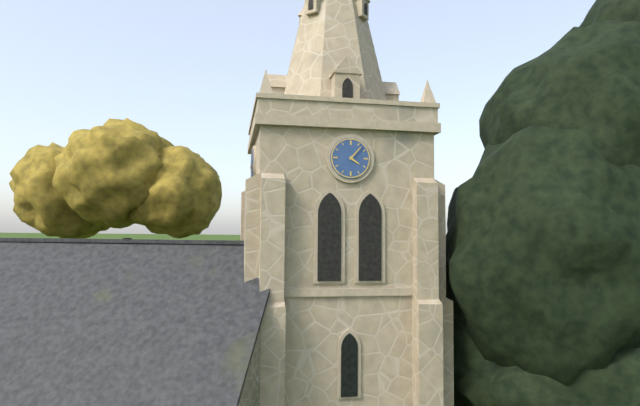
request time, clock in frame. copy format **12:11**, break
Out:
**4:07**
